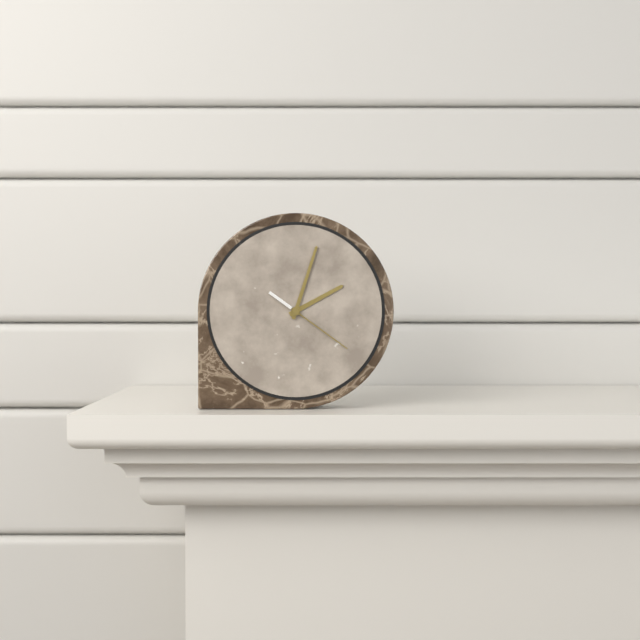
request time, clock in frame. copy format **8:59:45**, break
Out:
**2:03:21**
